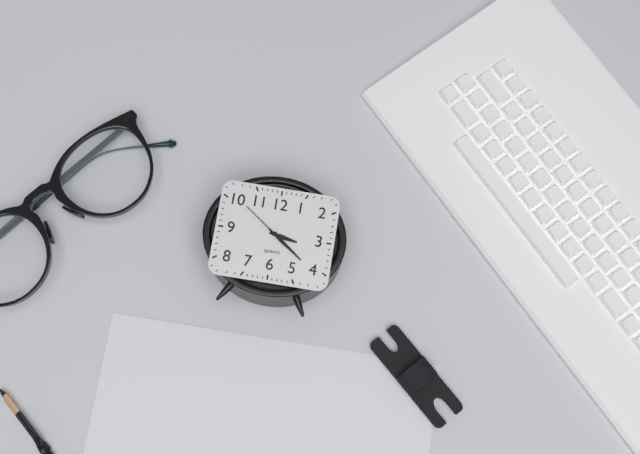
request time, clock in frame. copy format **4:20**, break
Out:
**3:21**
